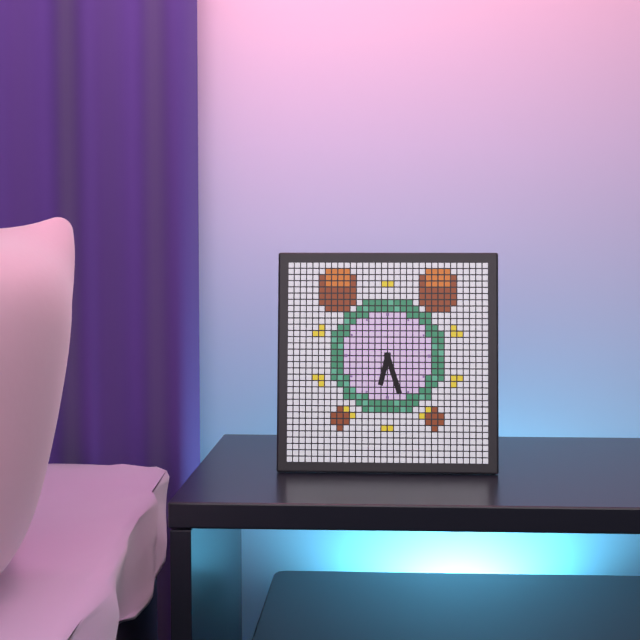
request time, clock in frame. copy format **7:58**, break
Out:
**6:27**
